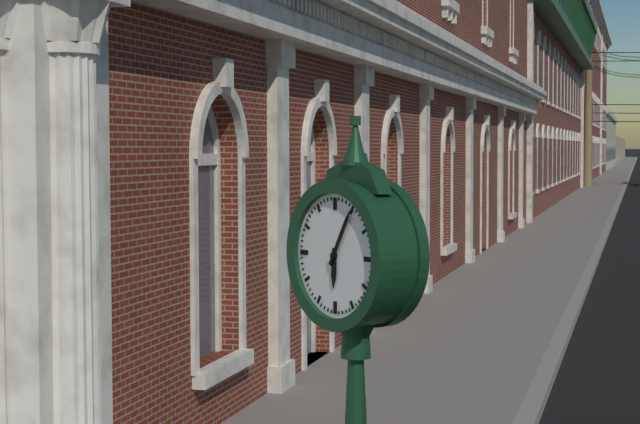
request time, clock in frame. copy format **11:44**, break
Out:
**6:05**
